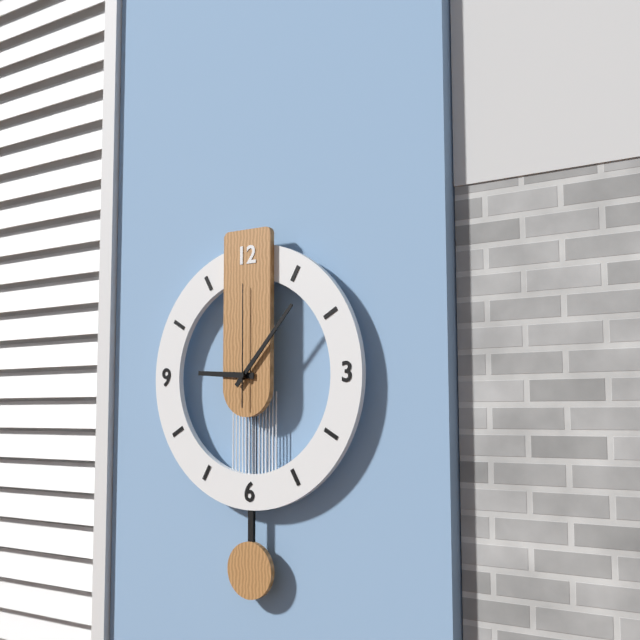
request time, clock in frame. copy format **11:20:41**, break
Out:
**9:07:00**
